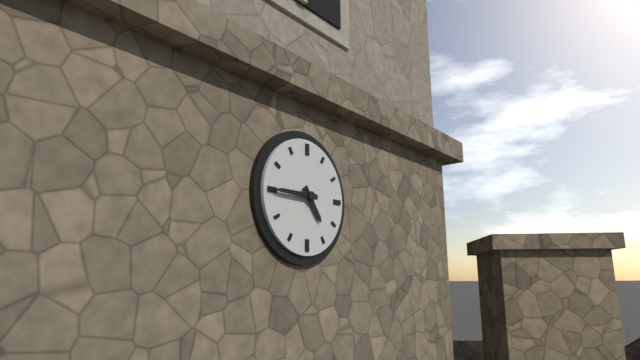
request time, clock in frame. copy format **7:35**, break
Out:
**4:45**
